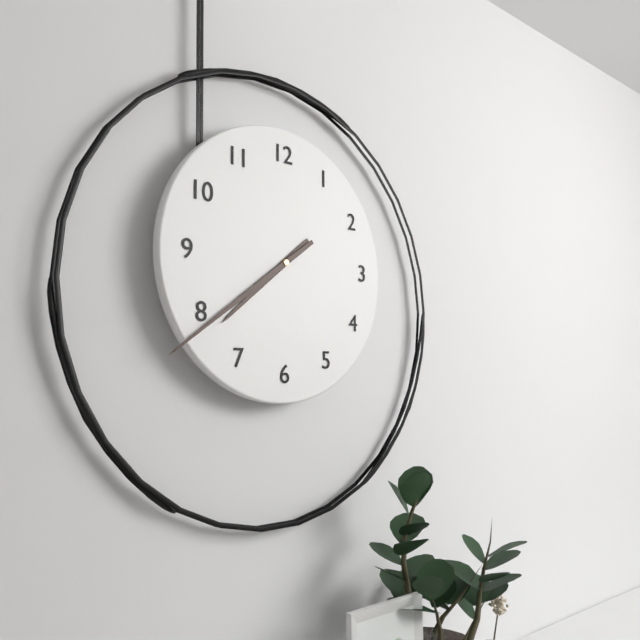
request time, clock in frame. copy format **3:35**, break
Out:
**7:39**
